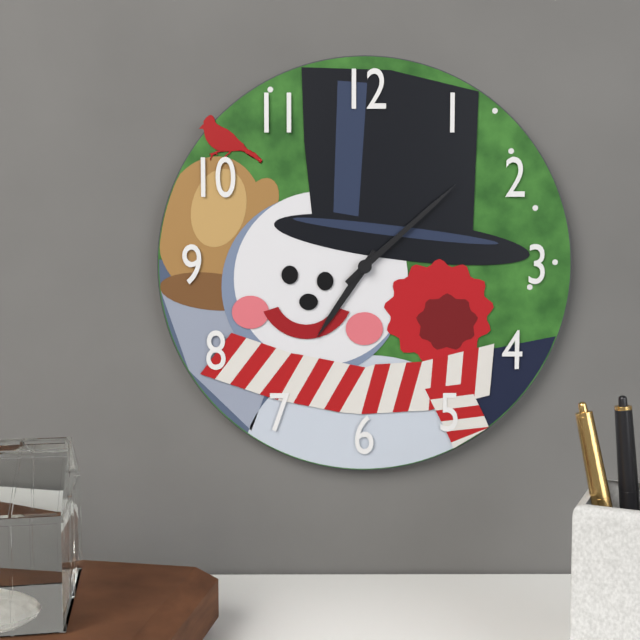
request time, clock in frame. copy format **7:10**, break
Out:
**7:08**
